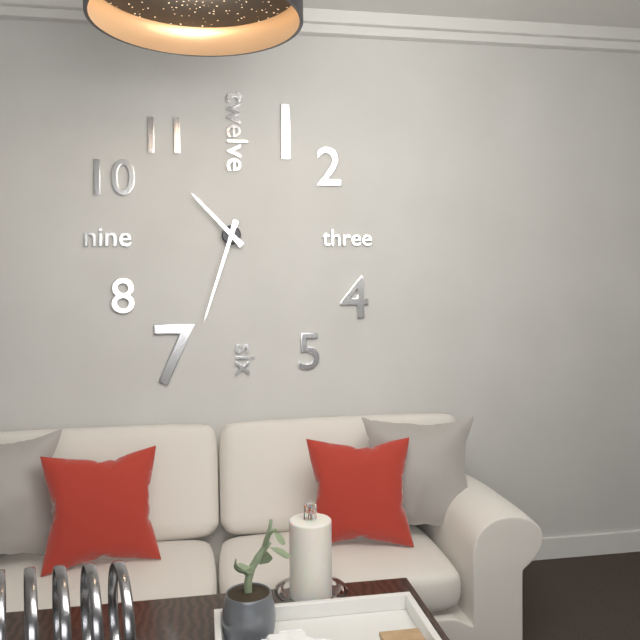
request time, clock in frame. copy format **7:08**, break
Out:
**10:33**
